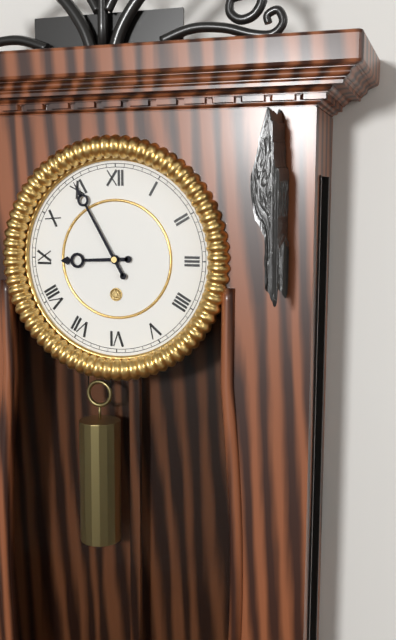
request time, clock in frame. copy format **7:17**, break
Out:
**8:55**
